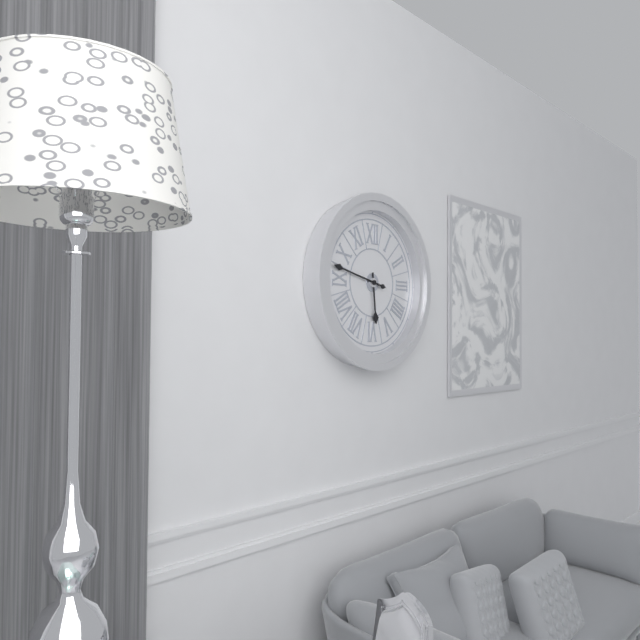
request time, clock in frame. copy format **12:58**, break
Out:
**5:47**
